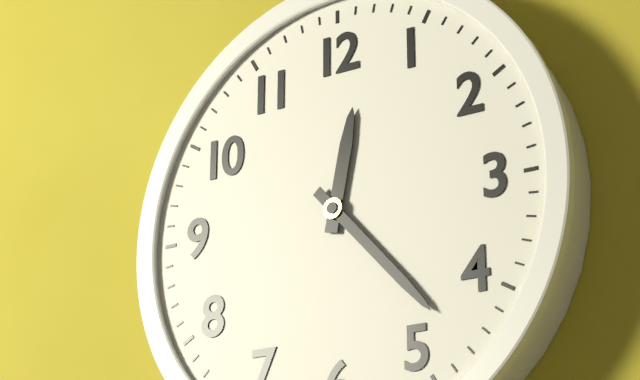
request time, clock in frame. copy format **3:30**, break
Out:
**12:23**
